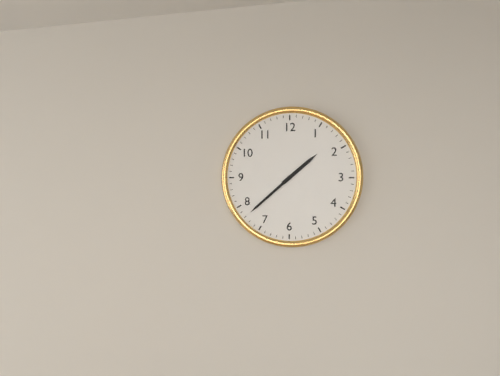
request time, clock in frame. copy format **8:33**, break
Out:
**1:38**
